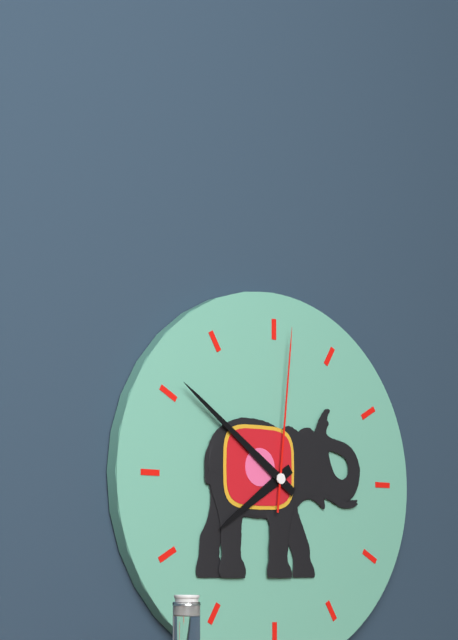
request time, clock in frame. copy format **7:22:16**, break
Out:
**7:51:01**
